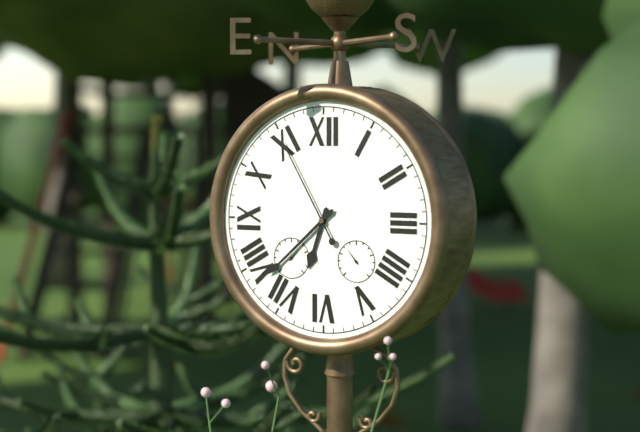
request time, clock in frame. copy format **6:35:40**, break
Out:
**6:38:55**
